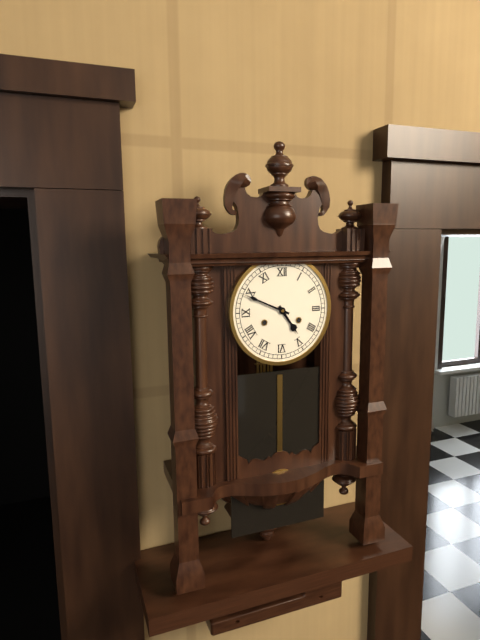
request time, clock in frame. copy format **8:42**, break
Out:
**4:49**
